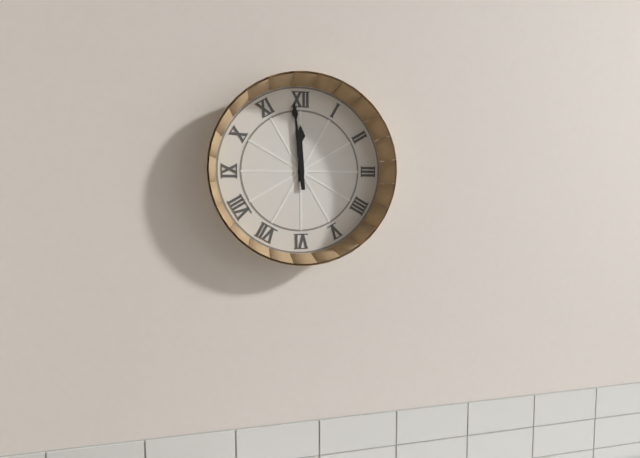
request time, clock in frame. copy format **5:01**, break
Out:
**11:59**
